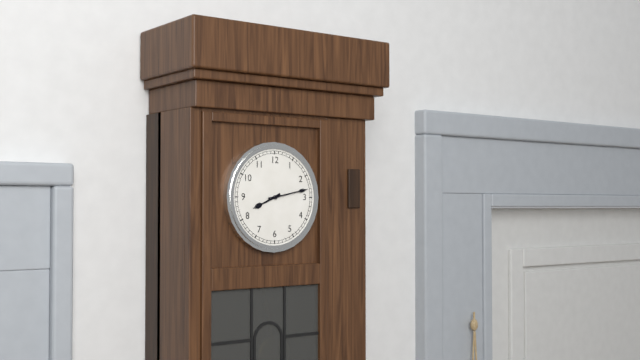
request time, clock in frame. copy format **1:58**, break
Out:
**8:13**
